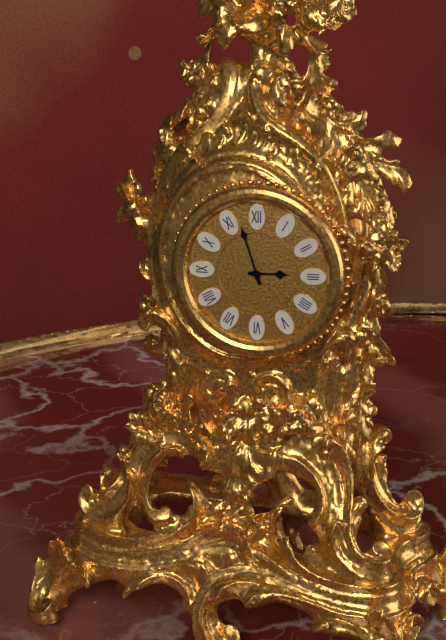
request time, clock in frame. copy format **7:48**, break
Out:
**2:57**
